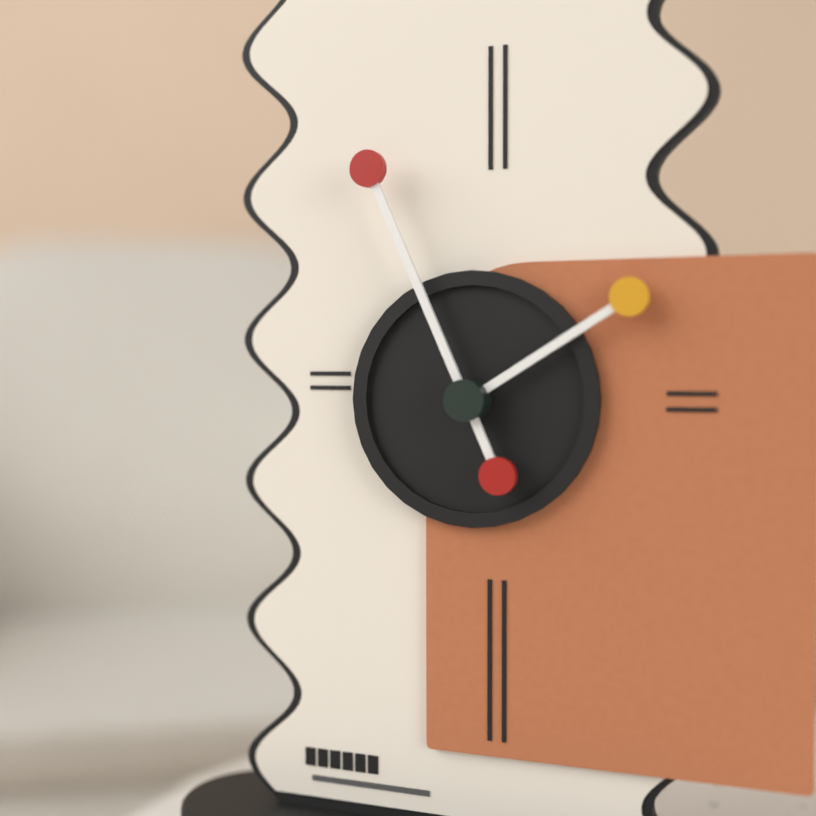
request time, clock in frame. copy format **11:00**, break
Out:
**1:56**
